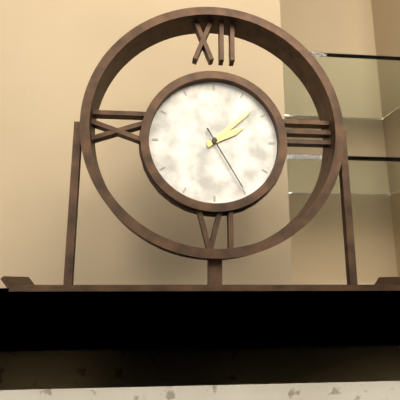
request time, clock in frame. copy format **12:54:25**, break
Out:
**2:08:25**
